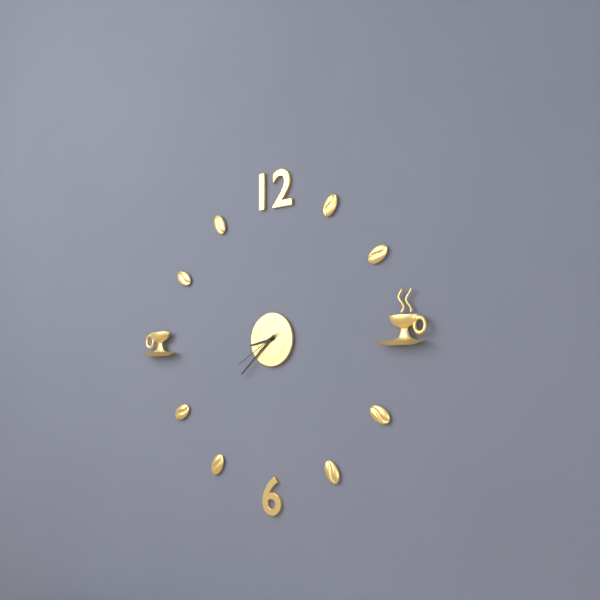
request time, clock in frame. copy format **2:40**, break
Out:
**8:38**
